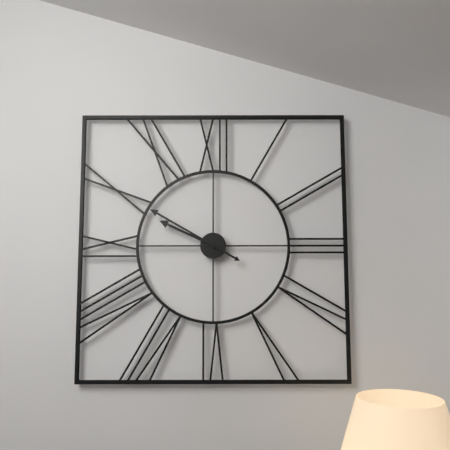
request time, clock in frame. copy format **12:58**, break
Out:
**9:50**
